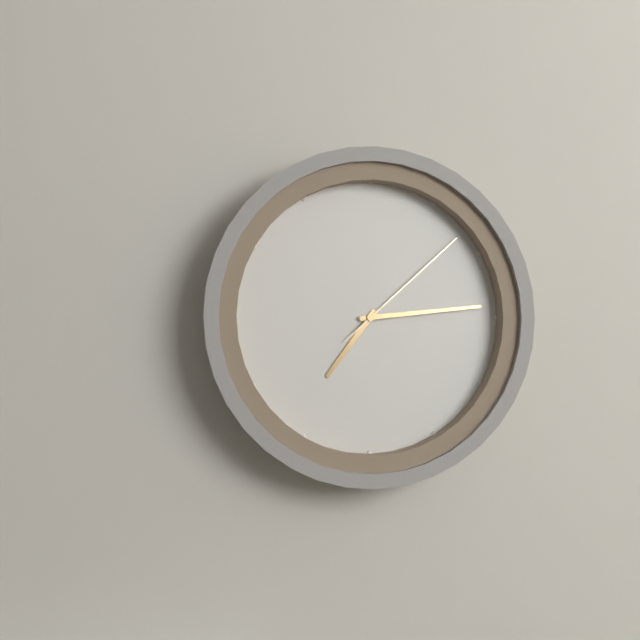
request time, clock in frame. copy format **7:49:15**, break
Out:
**7:14:08**
